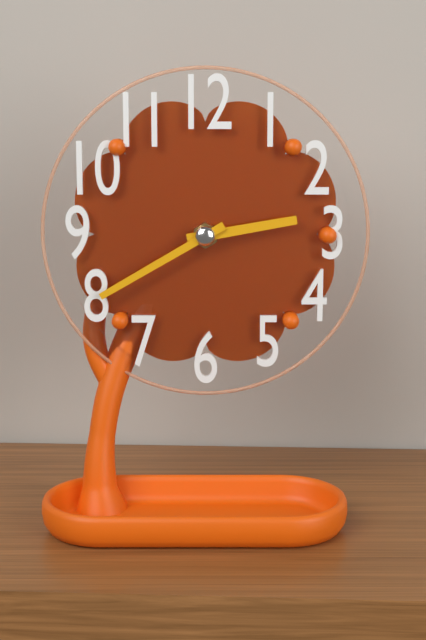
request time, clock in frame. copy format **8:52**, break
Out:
**2:40**
